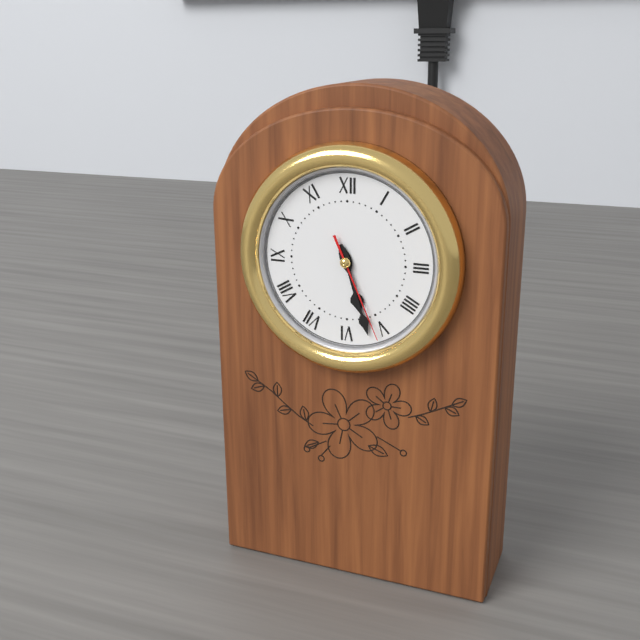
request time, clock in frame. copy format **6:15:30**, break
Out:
**5:27:26**
